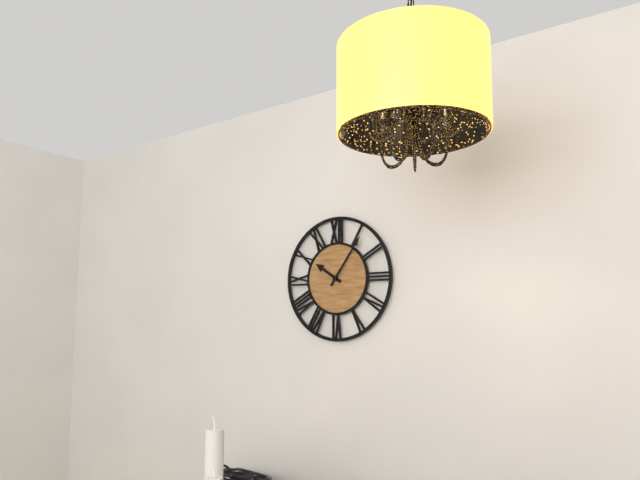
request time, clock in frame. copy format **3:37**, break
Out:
**10:06**
